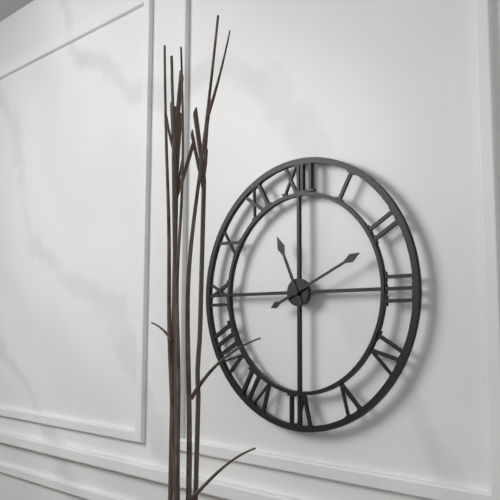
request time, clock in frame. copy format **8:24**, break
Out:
**11:11**
